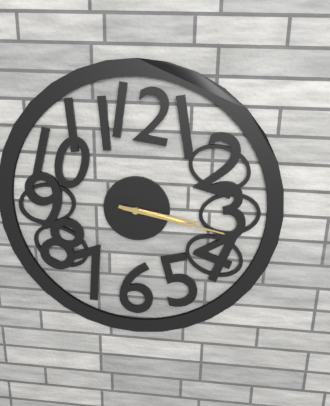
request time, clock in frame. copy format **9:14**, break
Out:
**3:17**
